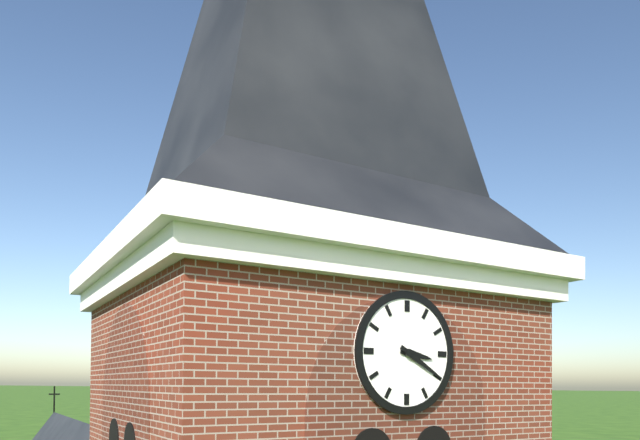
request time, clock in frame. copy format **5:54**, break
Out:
**3:20**
